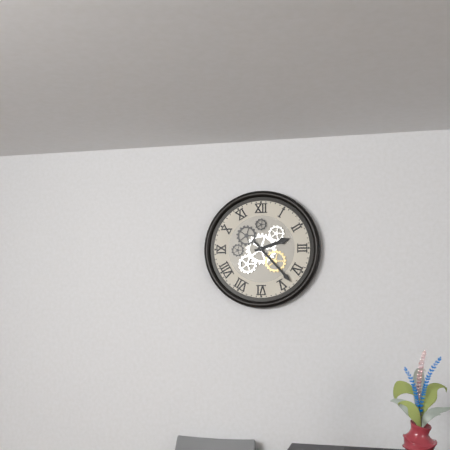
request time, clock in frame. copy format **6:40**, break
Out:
**2:23**
